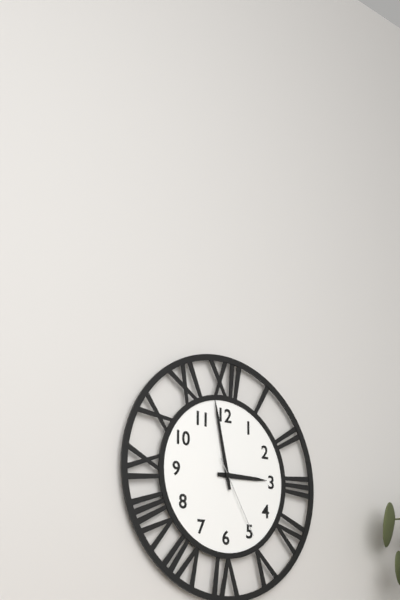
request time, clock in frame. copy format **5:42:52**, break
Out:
**2:58:25**
